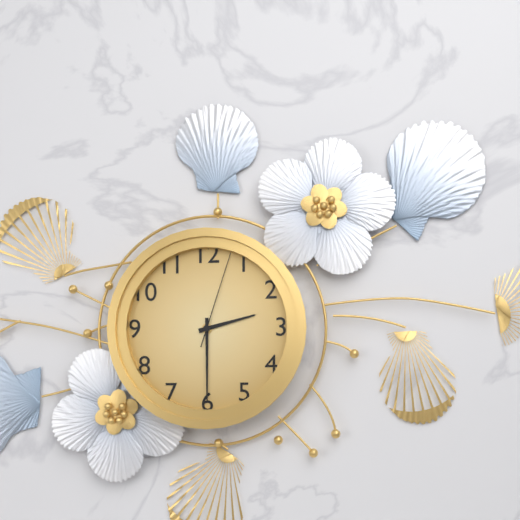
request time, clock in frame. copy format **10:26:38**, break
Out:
**2:30:03**
